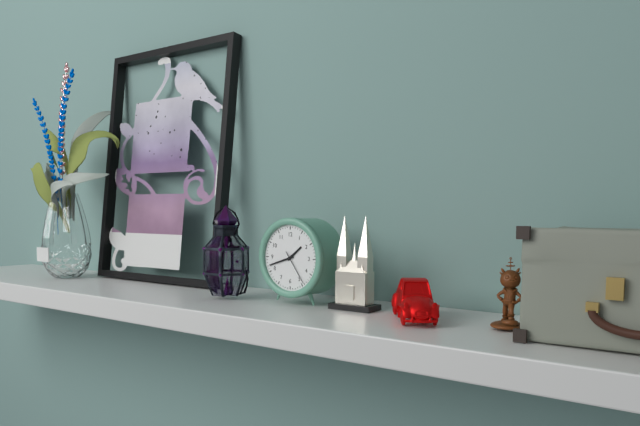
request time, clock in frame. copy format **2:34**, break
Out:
**1:42**
